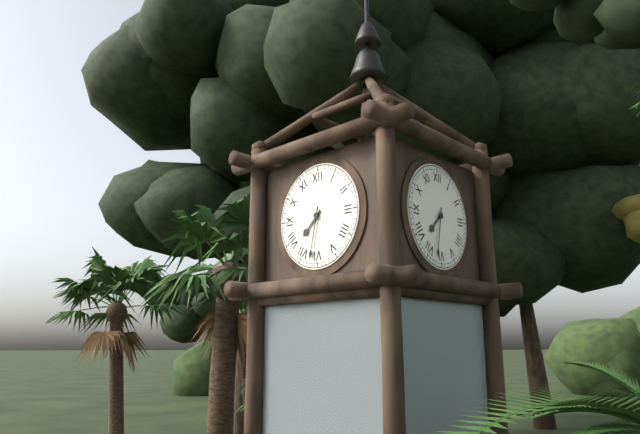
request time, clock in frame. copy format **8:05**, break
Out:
**7:32**
